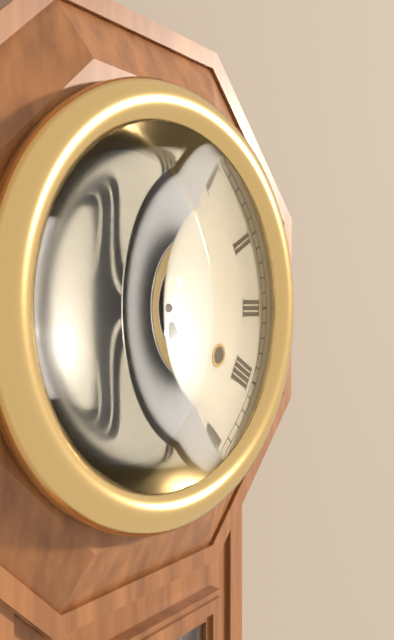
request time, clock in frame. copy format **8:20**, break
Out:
**10:59**
